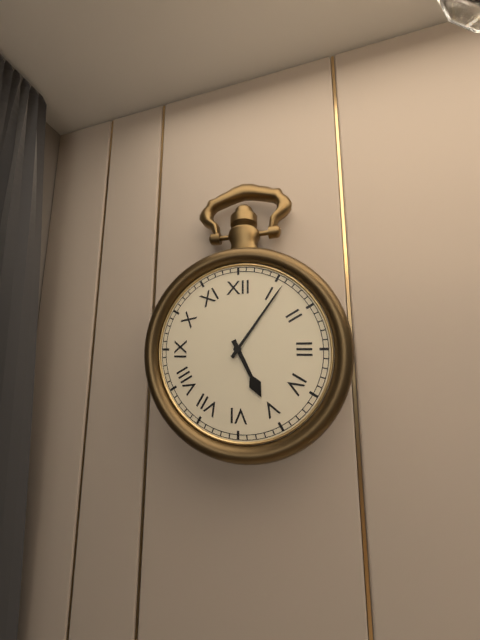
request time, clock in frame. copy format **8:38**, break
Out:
**5:06**
